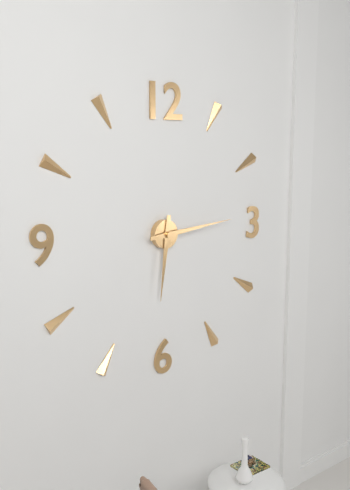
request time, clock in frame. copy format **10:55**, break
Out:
**6:14**
